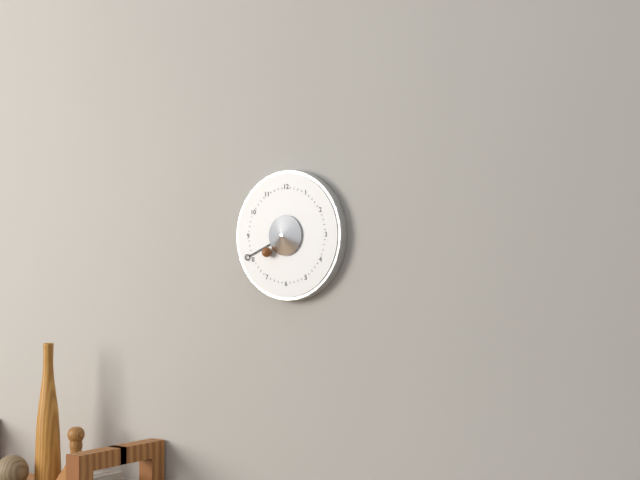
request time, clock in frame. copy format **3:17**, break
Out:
**7:41**
